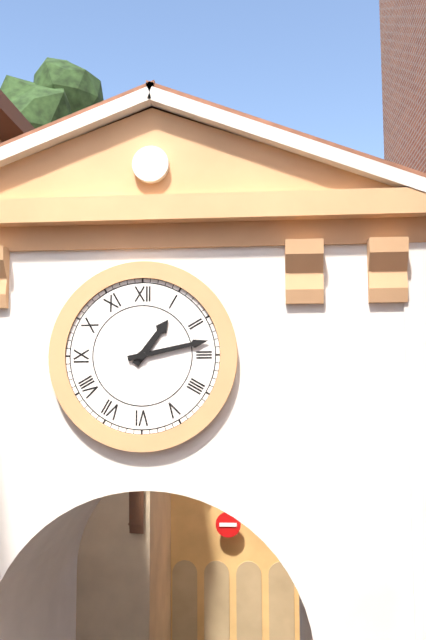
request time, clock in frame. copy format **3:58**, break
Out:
**1:13**
